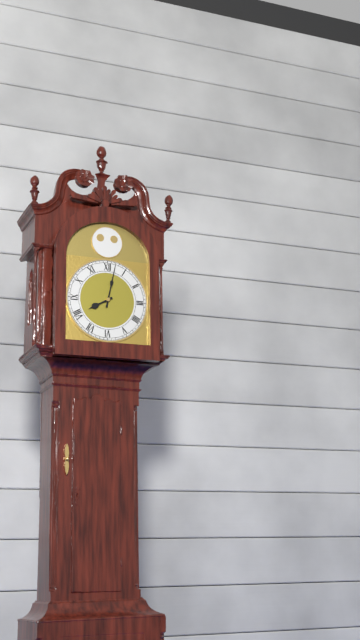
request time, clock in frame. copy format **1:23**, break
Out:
**8:02**
